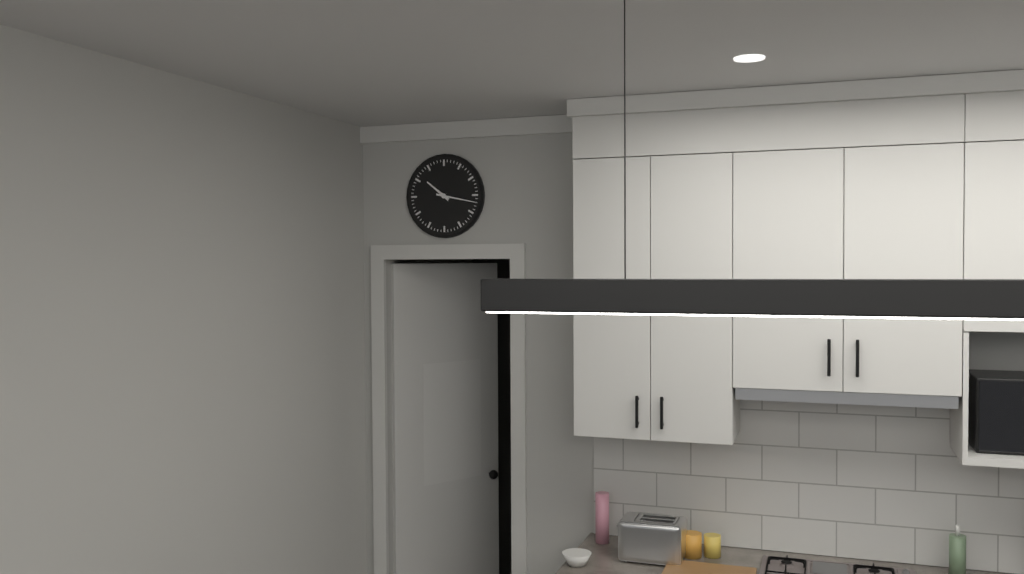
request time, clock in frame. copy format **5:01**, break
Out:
**10:17**
